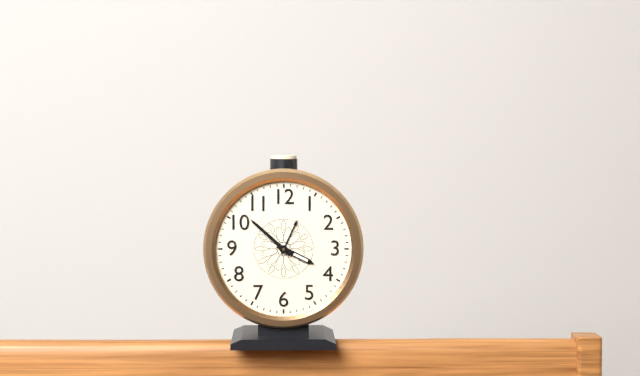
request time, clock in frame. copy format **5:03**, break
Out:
**3:52**
